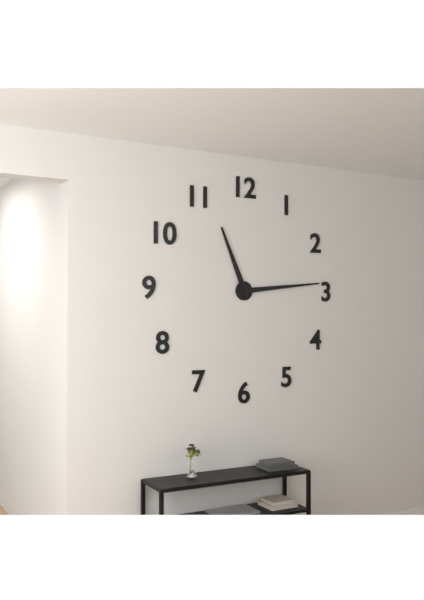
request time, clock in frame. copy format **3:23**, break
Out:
**11:14**
